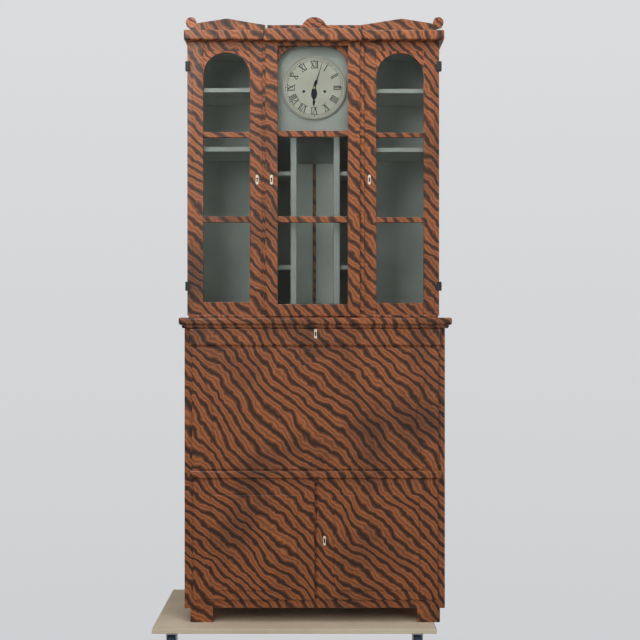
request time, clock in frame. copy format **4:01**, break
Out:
**6:03**
